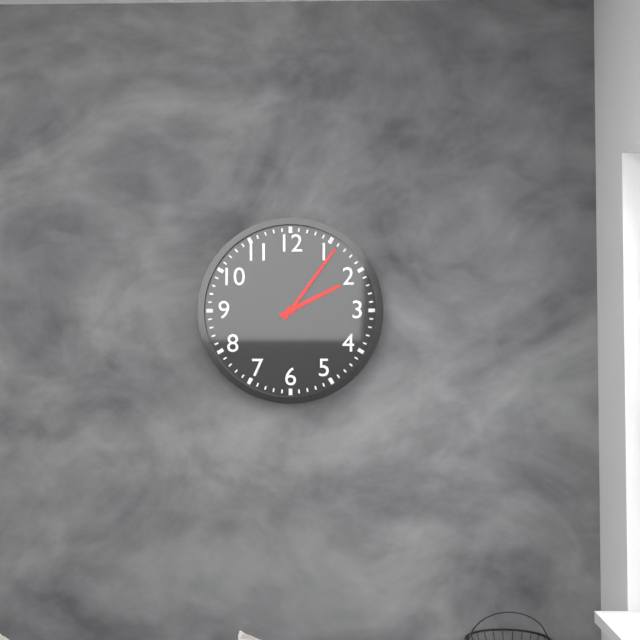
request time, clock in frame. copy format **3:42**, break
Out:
**2:06**
